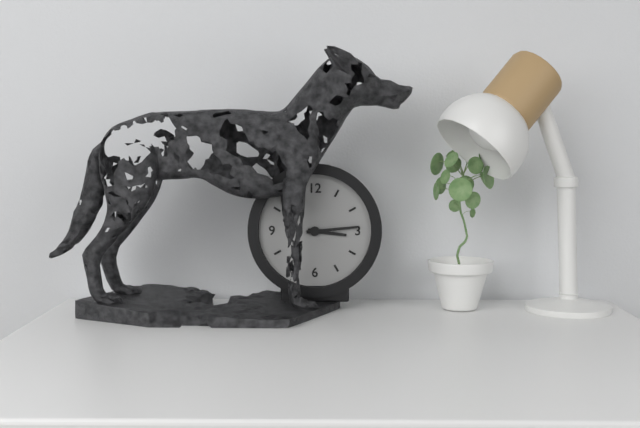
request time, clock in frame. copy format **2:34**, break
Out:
**3:14**
